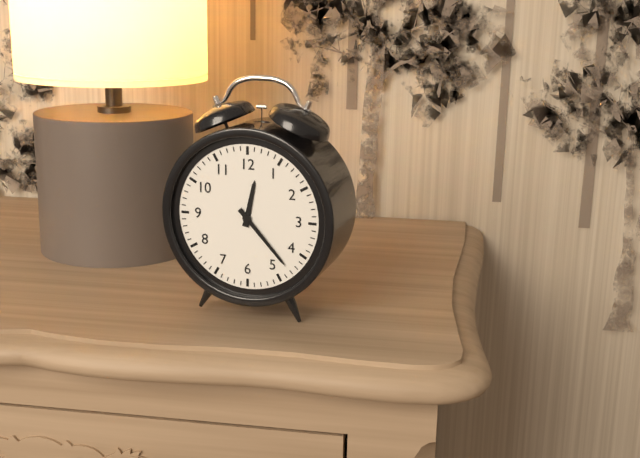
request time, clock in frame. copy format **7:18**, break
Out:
**12:23**
